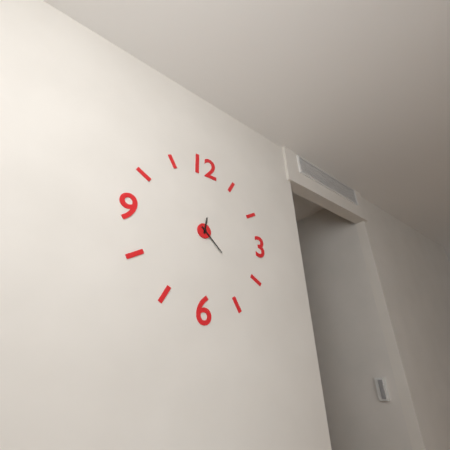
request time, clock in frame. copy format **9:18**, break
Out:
**12:22**
